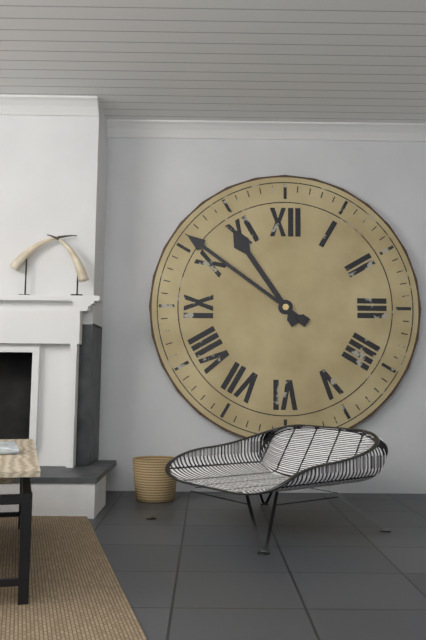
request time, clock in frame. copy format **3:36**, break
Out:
**10:51**
